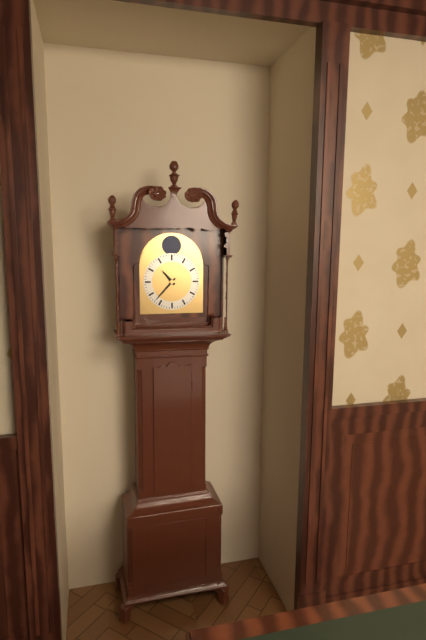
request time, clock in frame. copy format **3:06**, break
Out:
**10:37**
